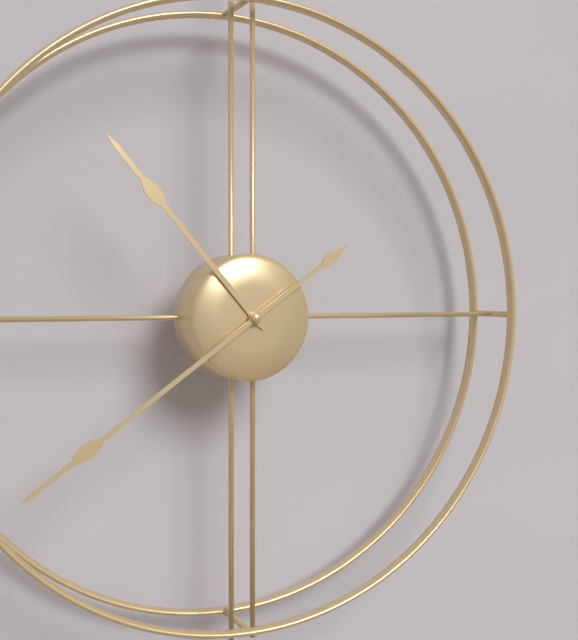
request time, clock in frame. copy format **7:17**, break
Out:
**10:39**
